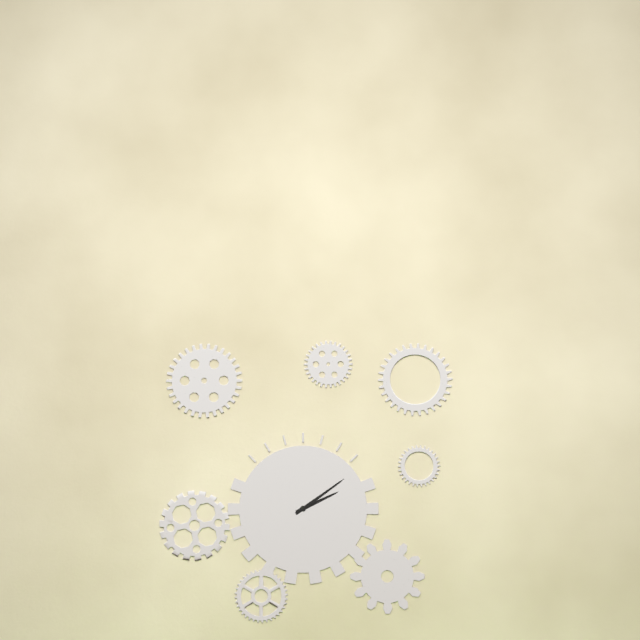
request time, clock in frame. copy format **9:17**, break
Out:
**2:09**
